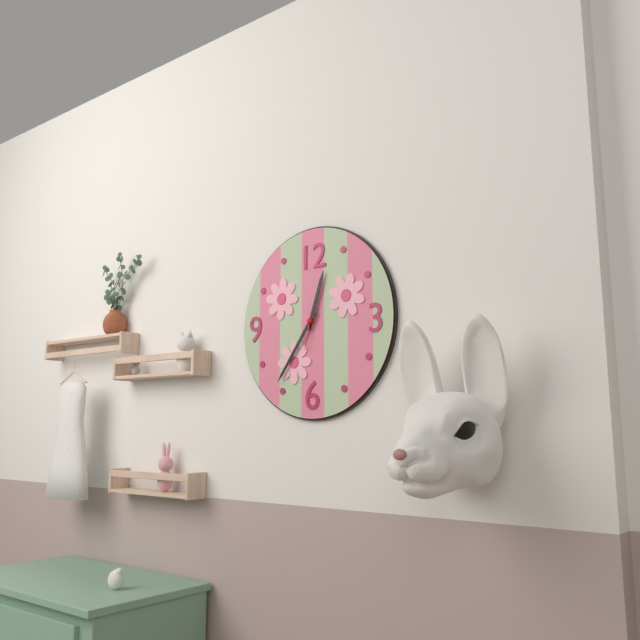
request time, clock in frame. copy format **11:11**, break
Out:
**12:36**
